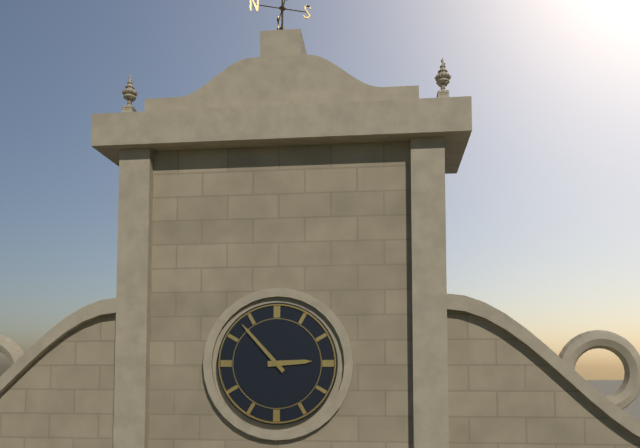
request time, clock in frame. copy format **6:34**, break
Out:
**2:53**
